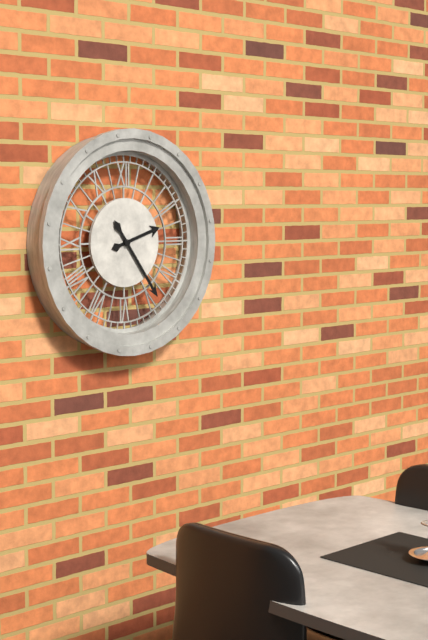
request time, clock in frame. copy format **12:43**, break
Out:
**2:24**
